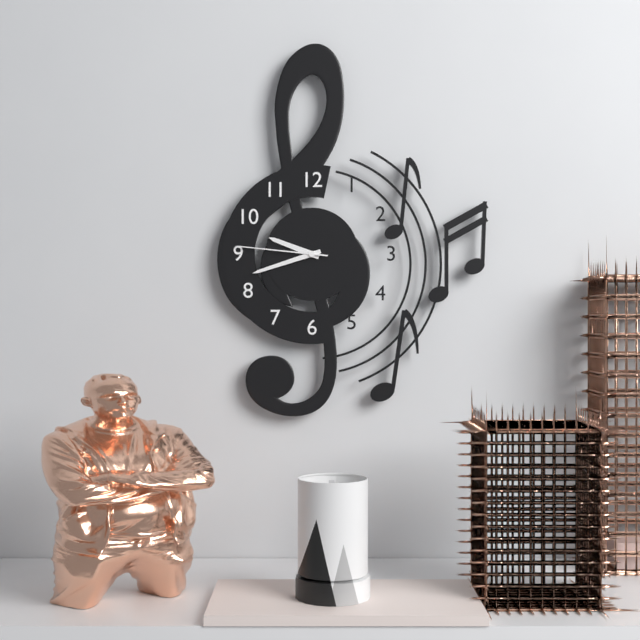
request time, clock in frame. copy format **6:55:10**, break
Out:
**9:42:46**
